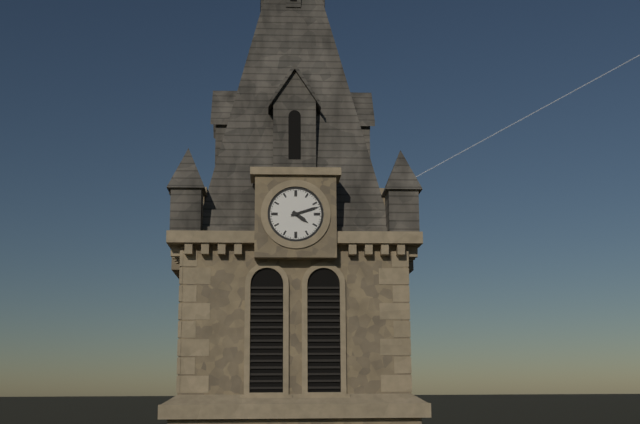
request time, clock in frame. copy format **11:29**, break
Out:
**4:12**
